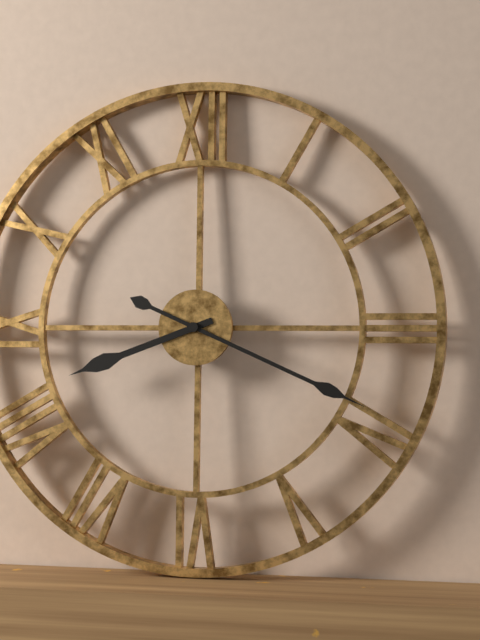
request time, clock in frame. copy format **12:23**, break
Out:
**8:19**
